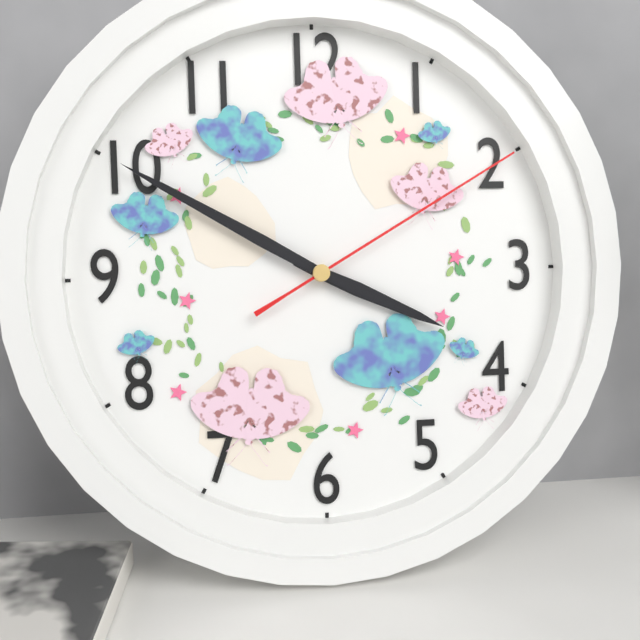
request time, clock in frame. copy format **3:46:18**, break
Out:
**3:50:10**
